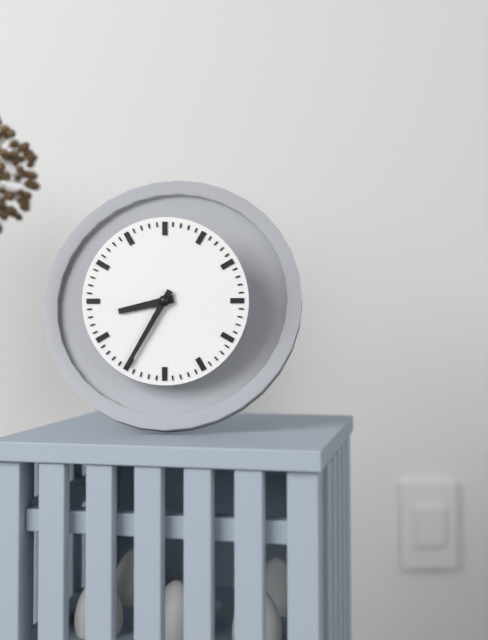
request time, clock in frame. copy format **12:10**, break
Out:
**8:35**
